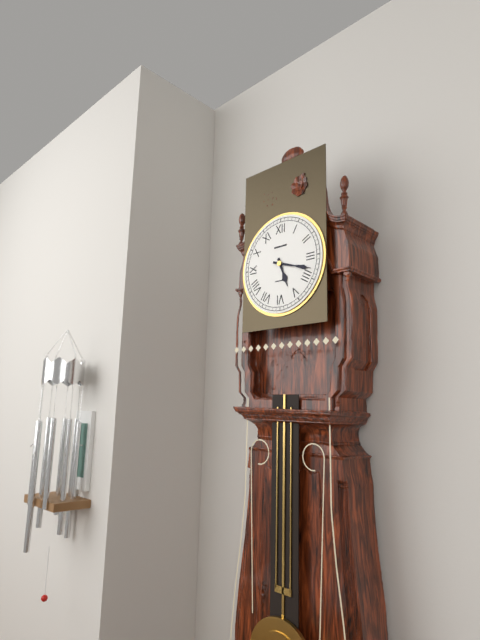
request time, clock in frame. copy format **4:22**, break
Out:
**5:18**
